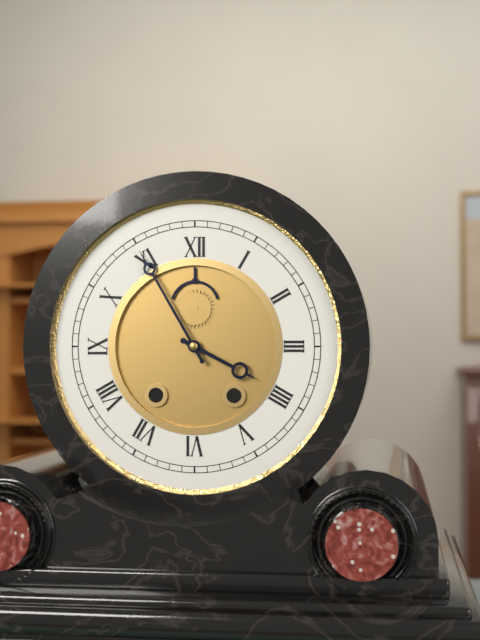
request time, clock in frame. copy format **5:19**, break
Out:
**3:55**
